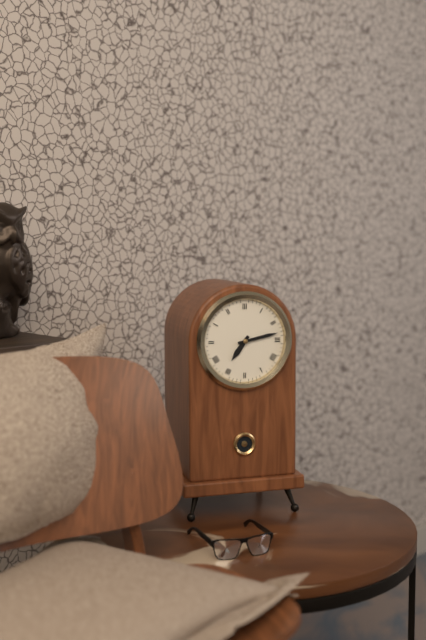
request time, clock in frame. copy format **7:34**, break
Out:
**7:13**
